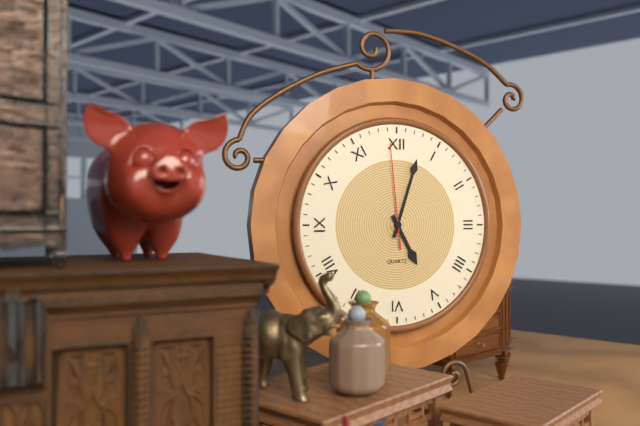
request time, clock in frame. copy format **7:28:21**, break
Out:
**5:03:59**
